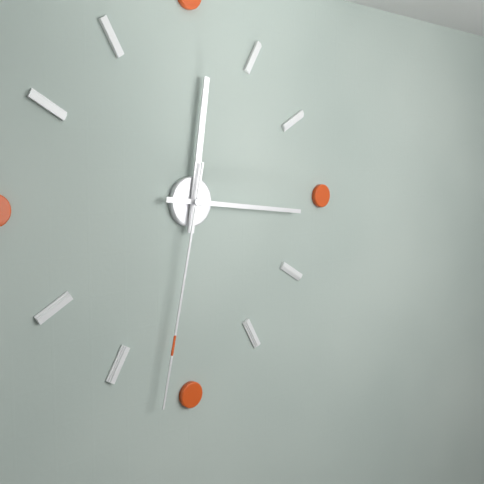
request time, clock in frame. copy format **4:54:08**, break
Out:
**12:16:32**
